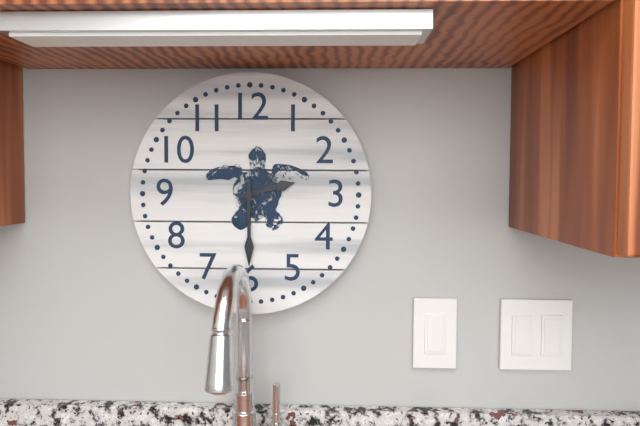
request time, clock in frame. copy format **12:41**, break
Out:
**2:30**
